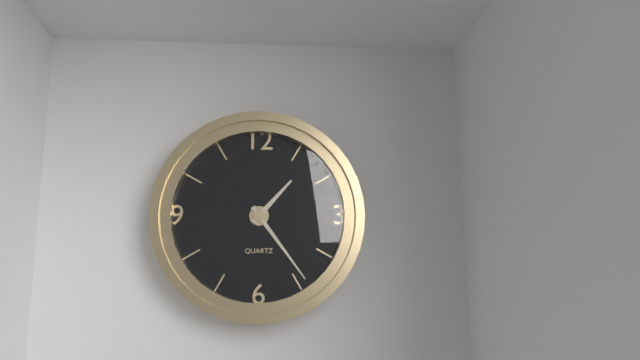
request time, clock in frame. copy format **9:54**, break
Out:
**1:24**
